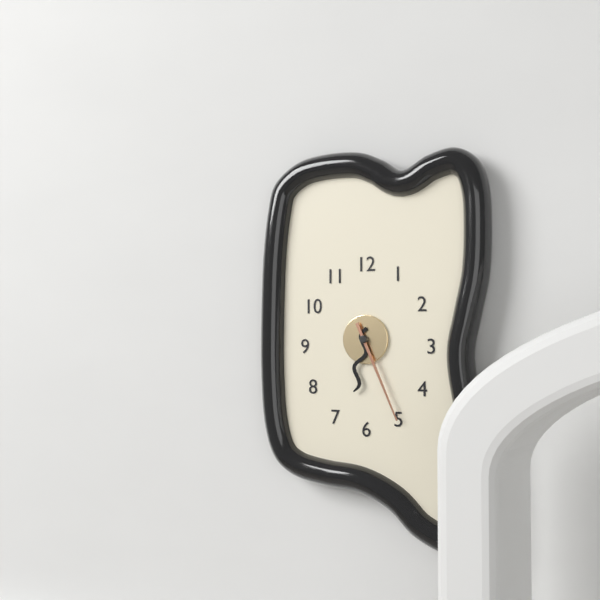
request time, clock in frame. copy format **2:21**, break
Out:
**6:26**
